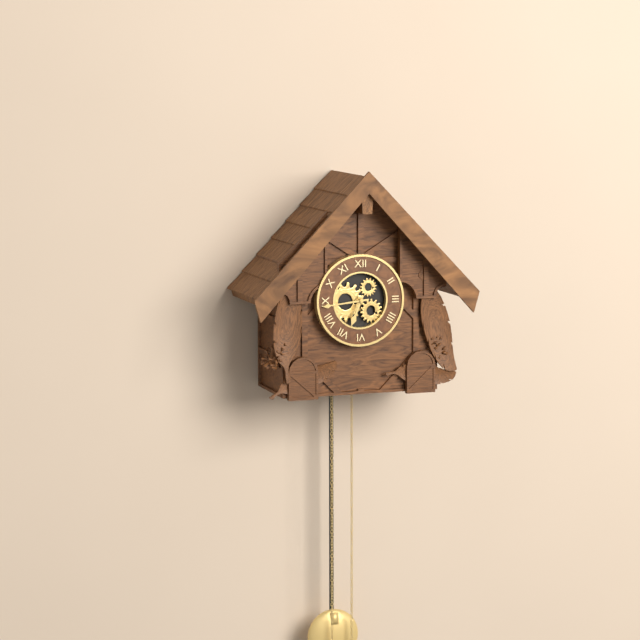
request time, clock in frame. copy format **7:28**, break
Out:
**6:44**
